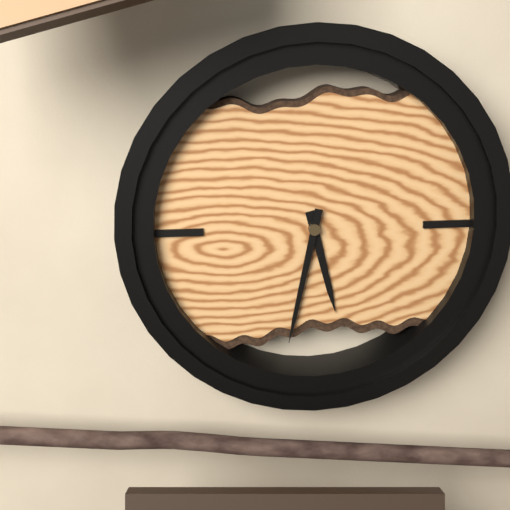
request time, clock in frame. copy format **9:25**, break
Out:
**5:32**
